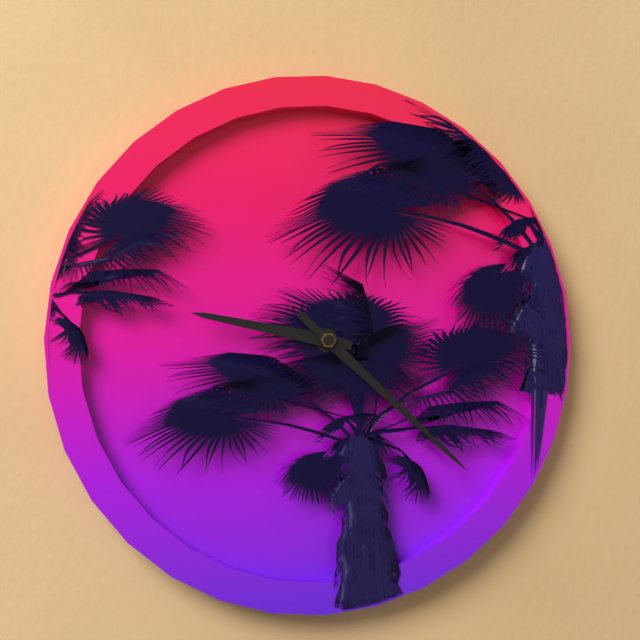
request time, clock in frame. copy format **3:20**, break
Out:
**9:22**
